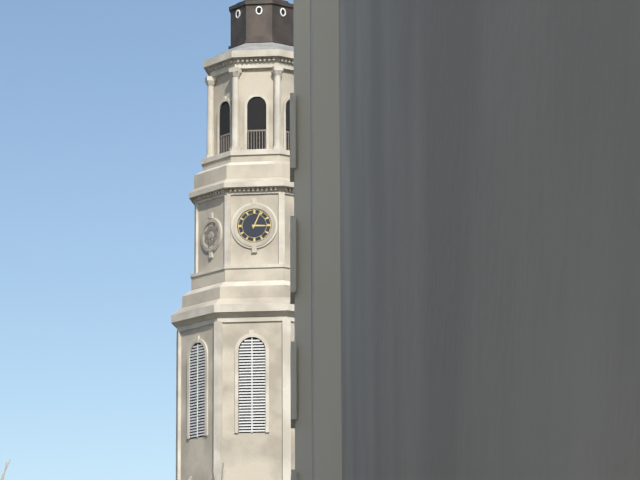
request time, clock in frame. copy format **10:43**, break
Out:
**3:04**
